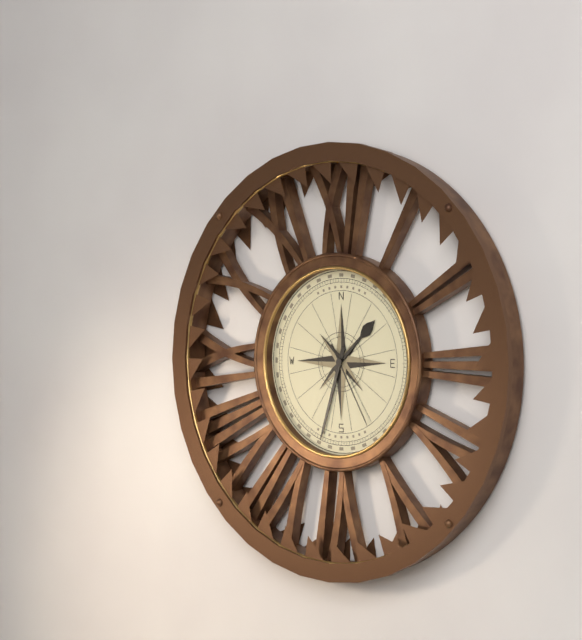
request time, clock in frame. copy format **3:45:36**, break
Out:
**1:33:25**
